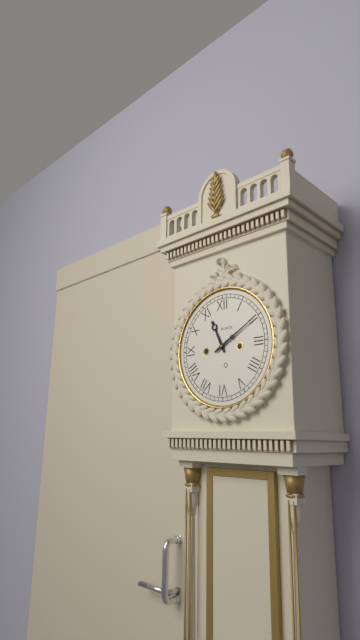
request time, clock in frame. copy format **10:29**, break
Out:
**11:10**
